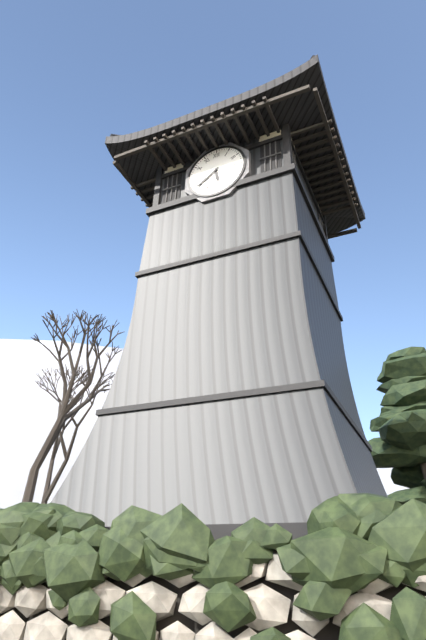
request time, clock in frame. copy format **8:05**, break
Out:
**5:39**
